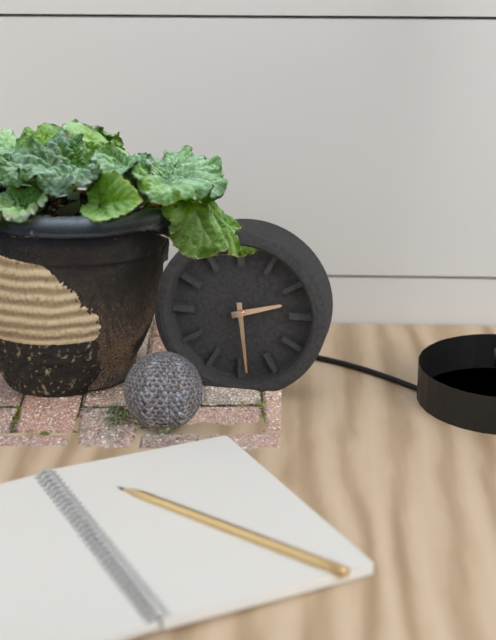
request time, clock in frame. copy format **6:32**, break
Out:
**2:29**
